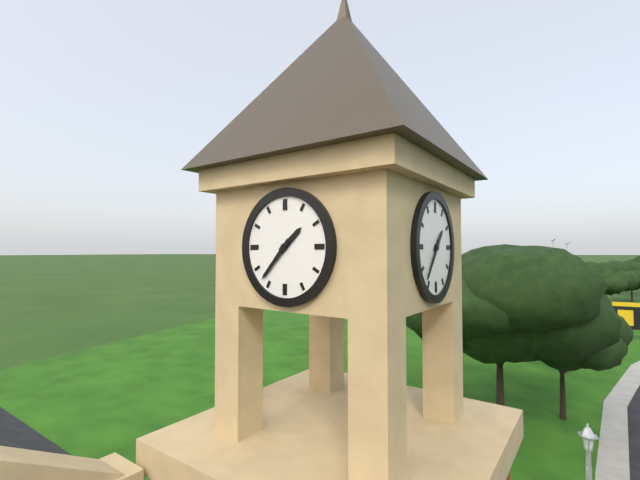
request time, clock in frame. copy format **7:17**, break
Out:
**1:37**
